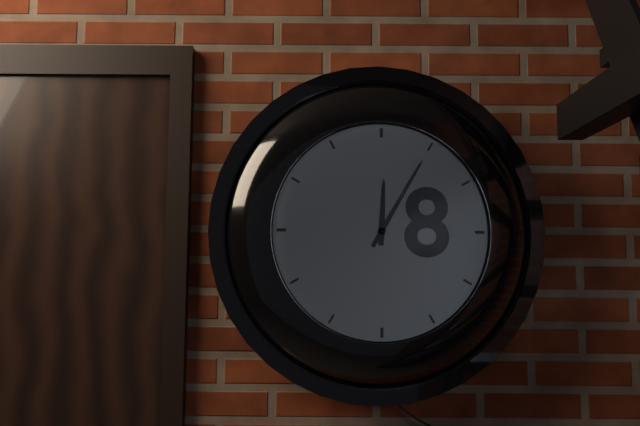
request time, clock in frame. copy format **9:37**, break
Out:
**12:05**
